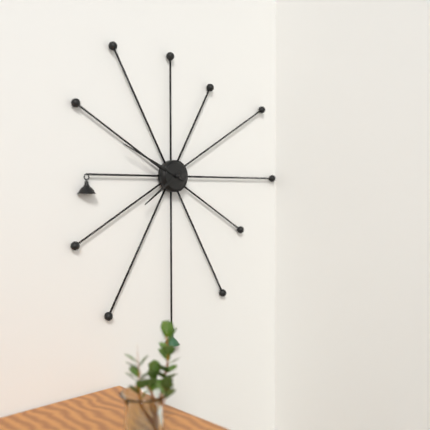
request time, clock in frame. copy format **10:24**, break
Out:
**7:49**
